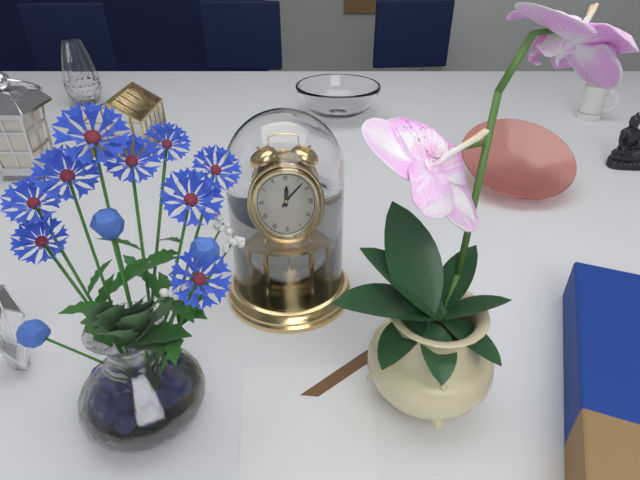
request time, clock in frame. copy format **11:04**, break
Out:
**12:07**
